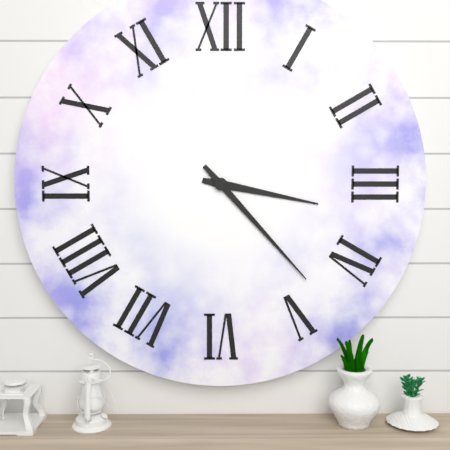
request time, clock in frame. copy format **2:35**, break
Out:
**3:23**
